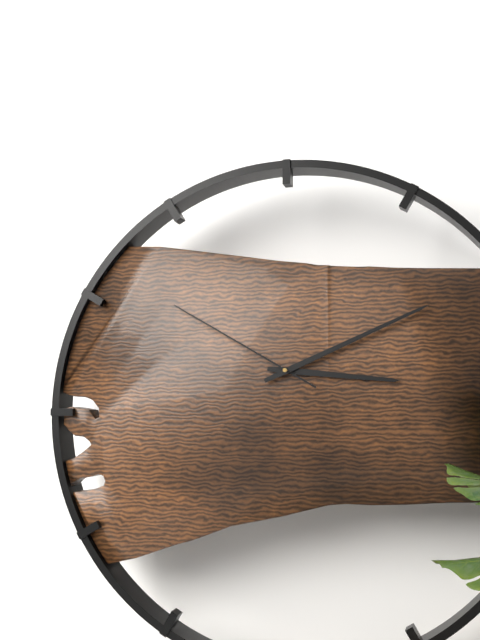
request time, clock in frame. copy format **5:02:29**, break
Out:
**3:11:50**
